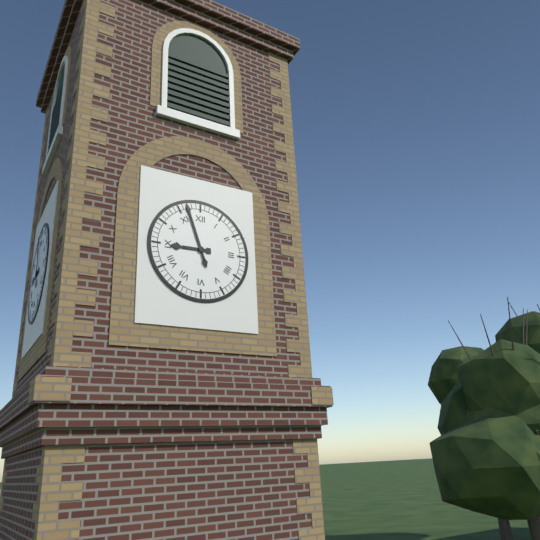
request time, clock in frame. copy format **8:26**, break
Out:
**8:57**
